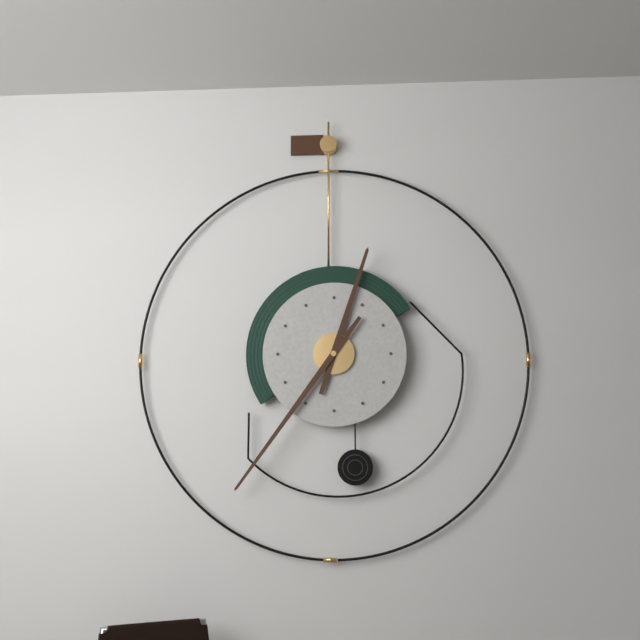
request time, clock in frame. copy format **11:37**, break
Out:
**12:36**
